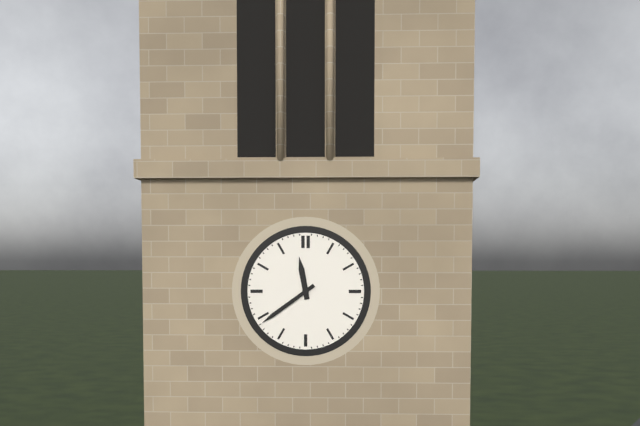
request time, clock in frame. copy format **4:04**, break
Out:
**11:39**
